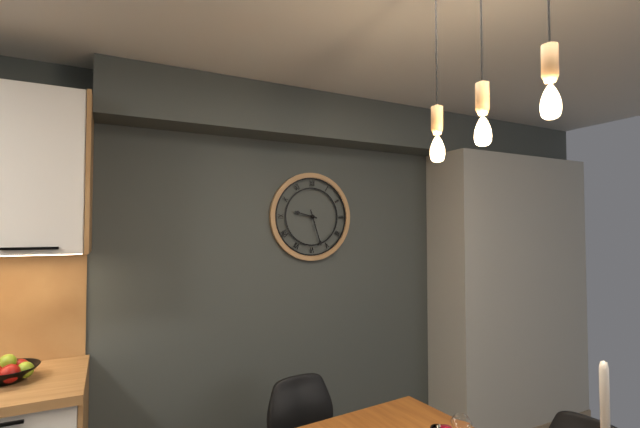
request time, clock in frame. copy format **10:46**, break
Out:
**9:27**
